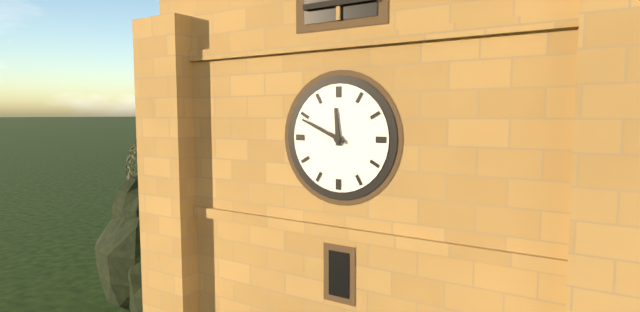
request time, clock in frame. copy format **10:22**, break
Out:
**11:49**
